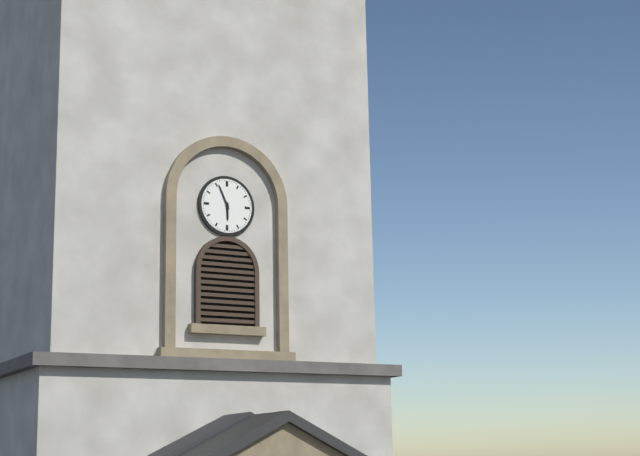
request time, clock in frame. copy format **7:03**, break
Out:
**5:56**
